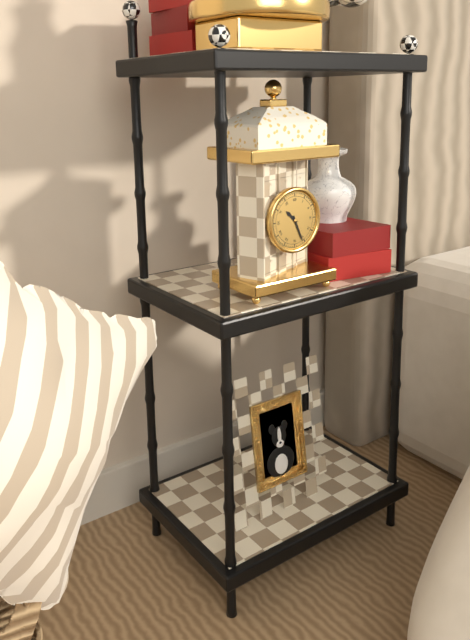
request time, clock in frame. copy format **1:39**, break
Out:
**10:26**
